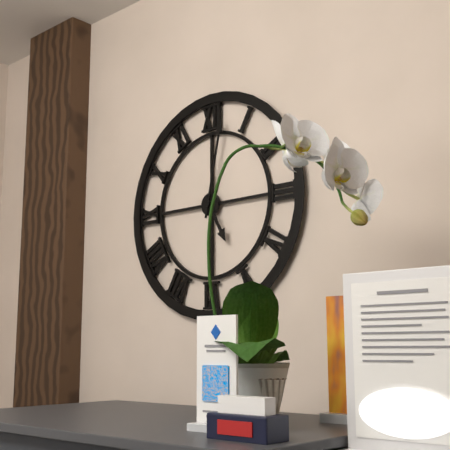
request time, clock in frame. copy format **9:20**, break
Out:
**5:02**
